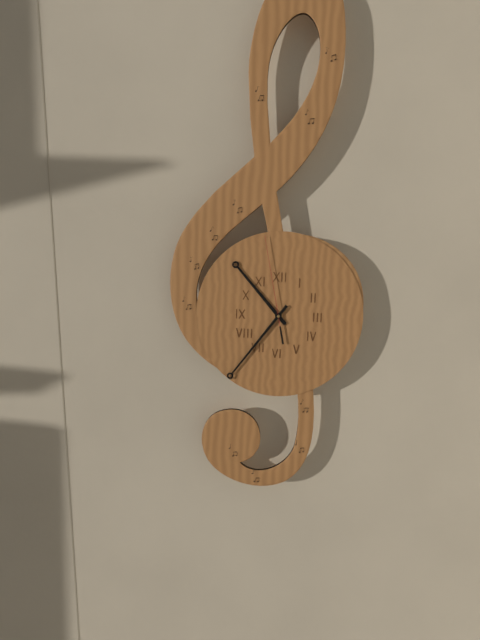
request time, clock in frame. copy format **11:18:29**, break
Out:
**10:36:58**
